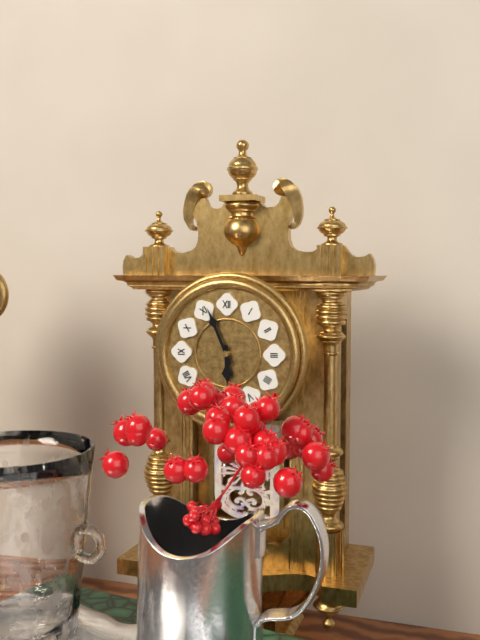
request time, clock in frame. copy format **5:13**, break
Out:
**5:56**
